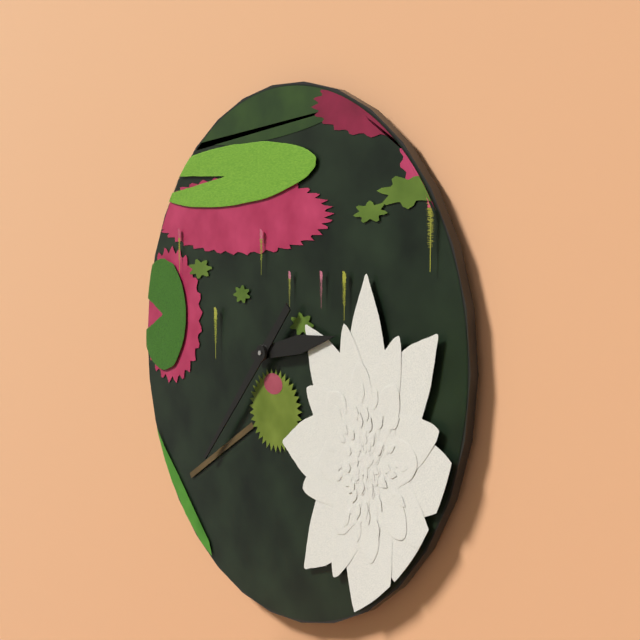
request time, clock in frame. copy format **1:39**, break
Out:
**2:37**
